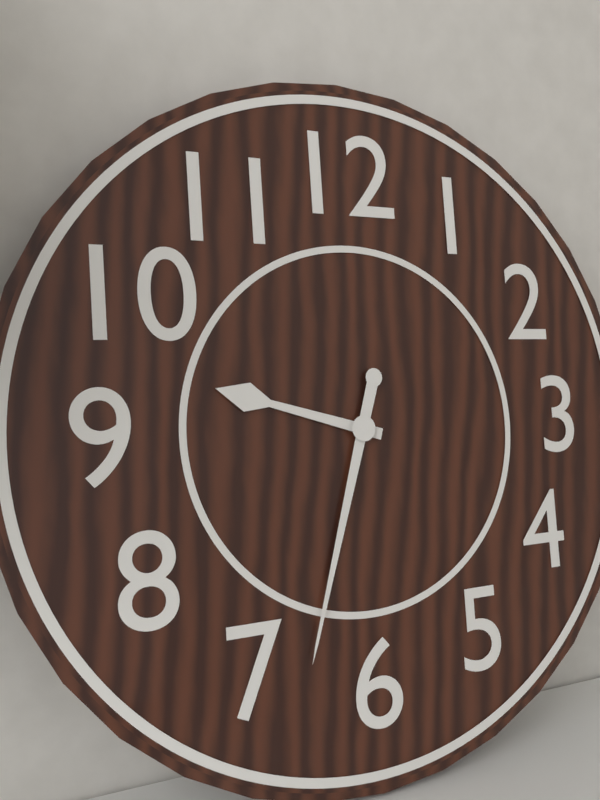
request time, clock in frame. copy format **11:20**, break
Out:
**9:33**
